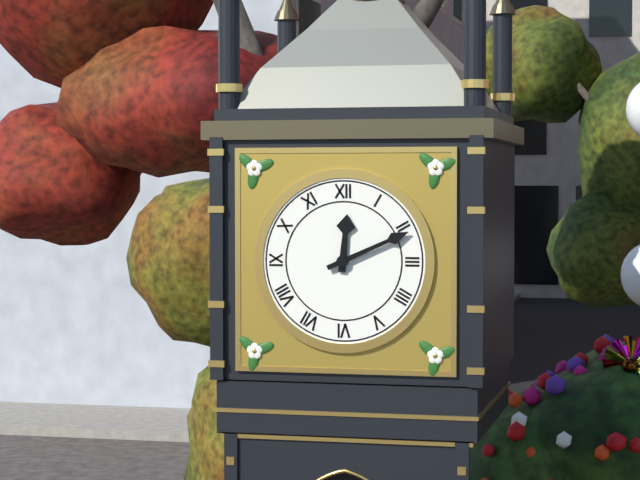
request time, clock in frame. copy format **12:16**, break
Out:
**12:11**
